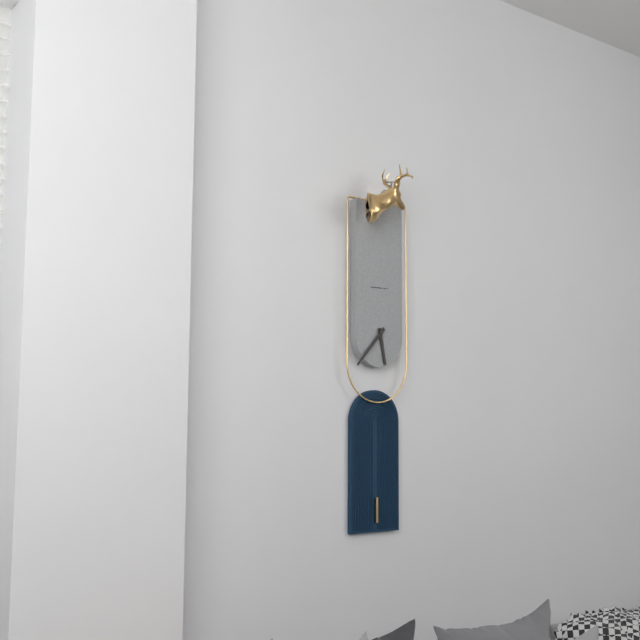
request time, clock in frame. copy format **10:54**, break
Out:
**5:37**
